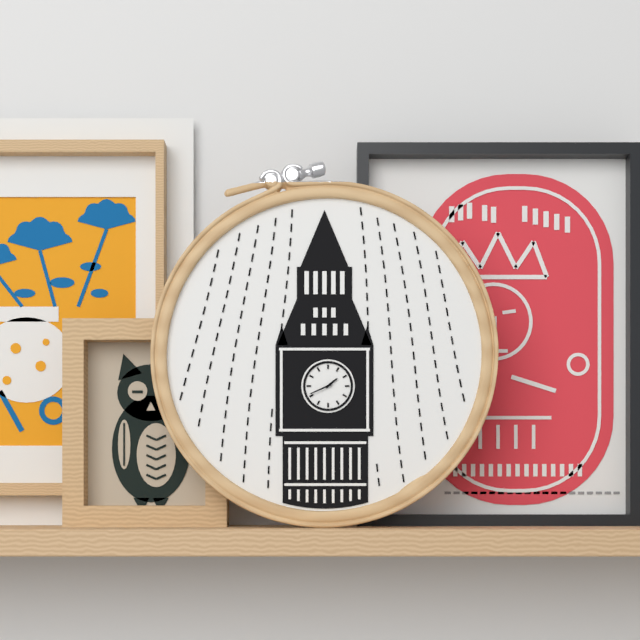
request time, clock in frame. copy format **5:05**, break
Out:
**1:41**
